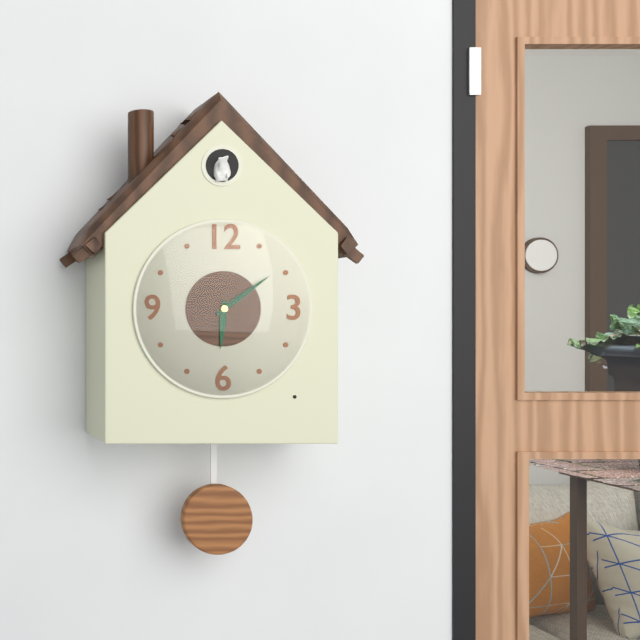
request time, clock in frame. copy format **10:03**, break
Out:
**6:09**
